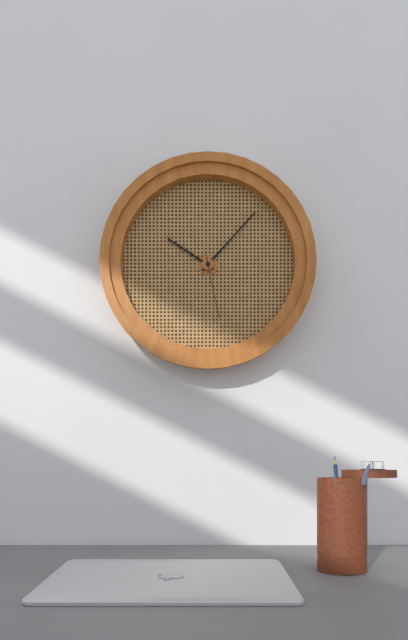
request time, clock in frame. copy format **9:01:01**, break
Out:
**10:07:28**
